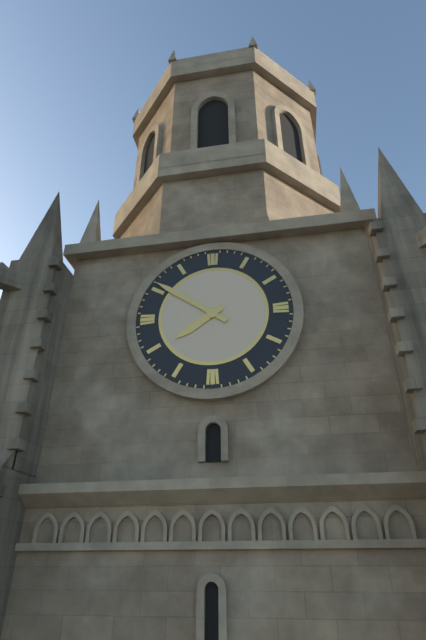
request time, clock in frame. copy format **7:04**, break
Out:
**7:51**
